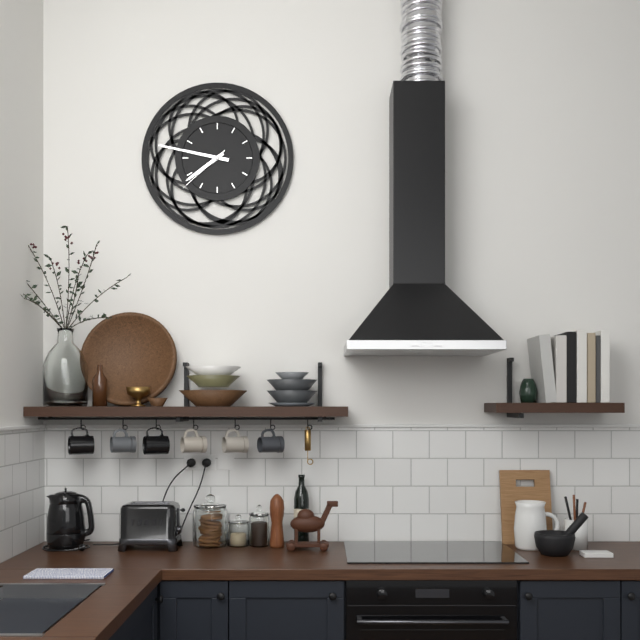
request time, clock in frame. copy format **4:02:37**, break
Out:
**7:47:38**
